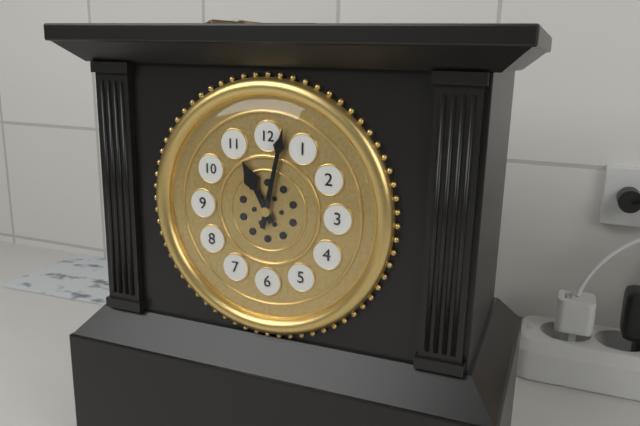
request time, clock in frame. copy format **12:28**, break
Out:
**11:02**
